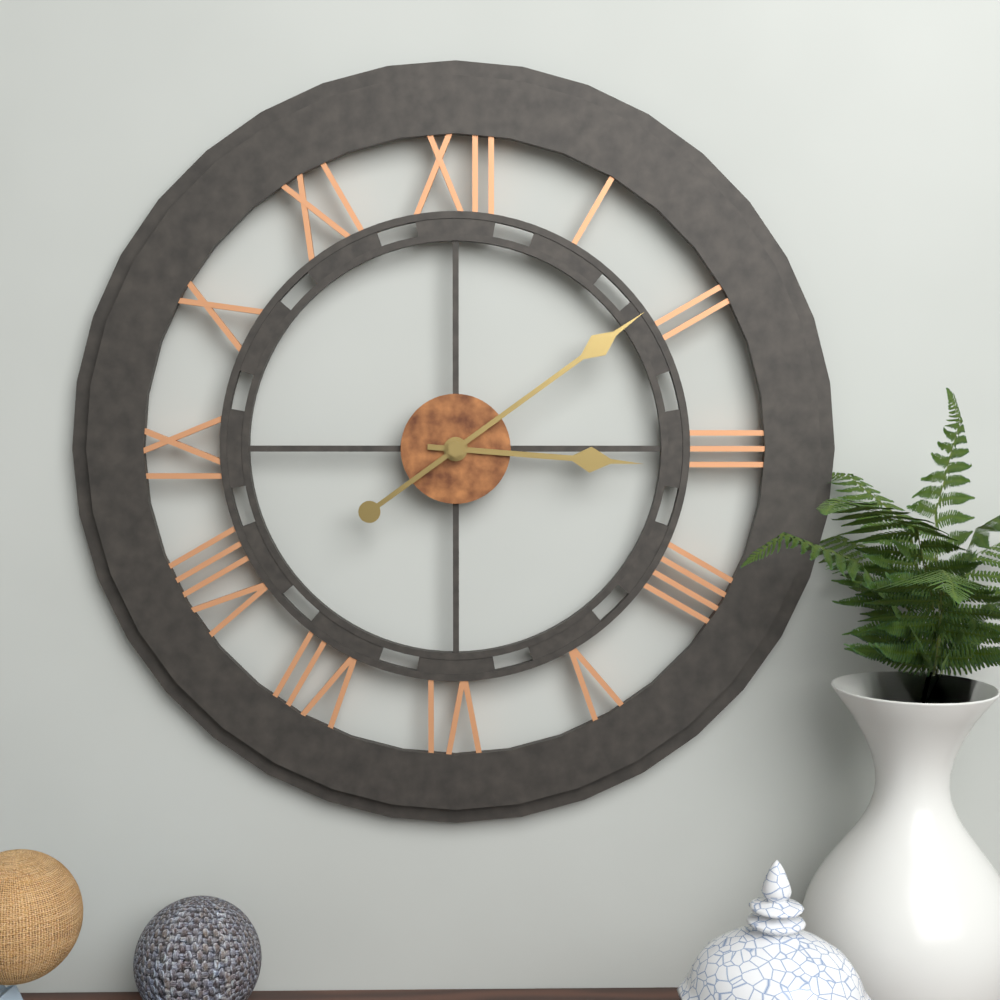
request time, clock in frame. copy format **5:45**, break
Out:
**3:09**
